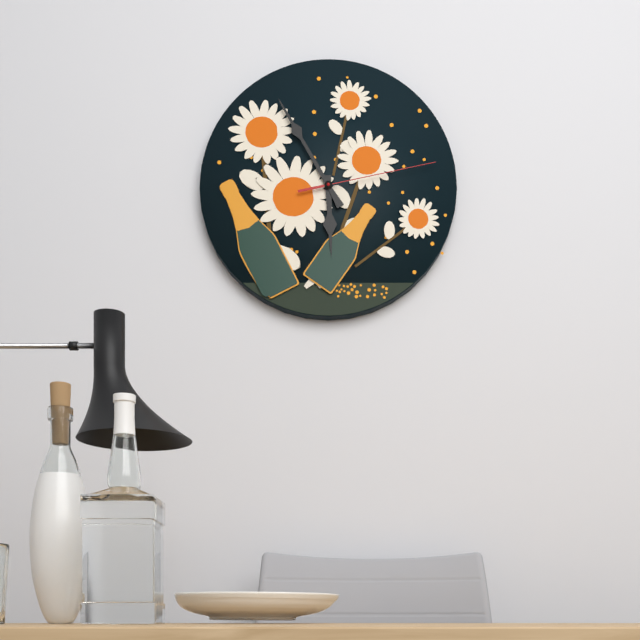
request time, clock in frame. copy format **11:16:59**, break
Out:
**5:55:13**
